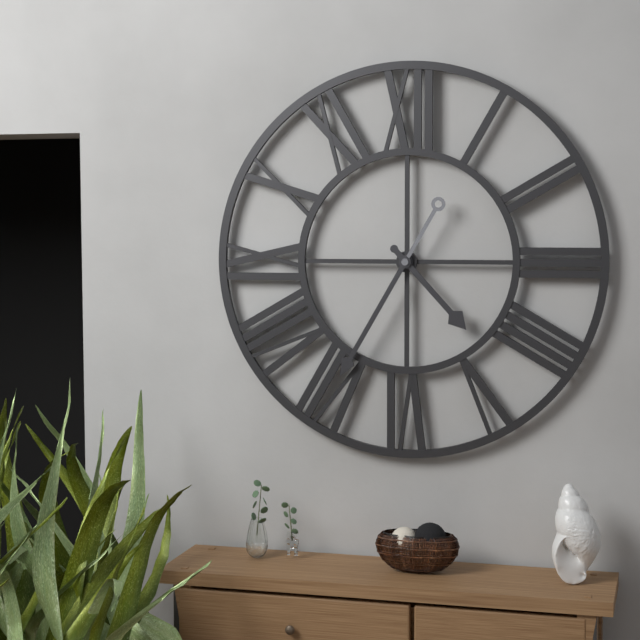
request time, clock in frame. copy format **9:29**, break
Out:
**4:35**
